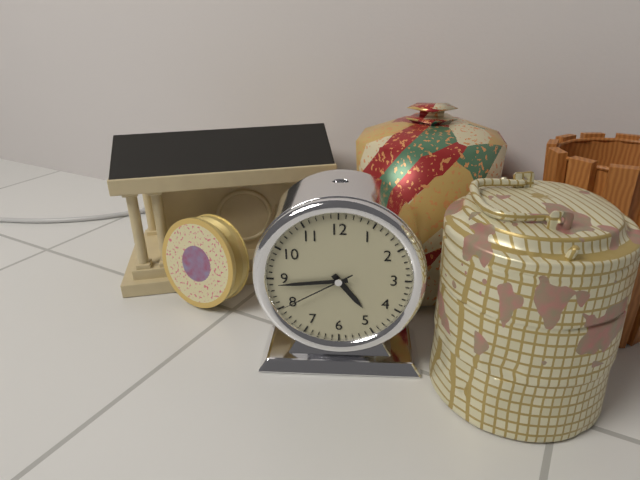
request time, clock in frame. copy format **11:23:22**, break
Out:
**4:44:40**
